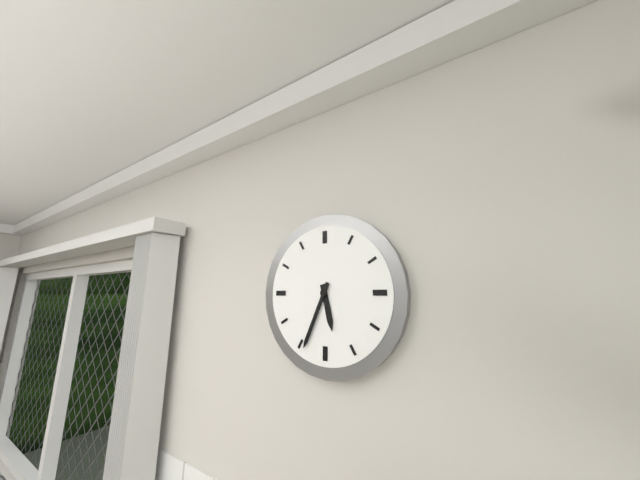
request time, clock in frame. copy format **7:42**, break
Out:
**5:34**
